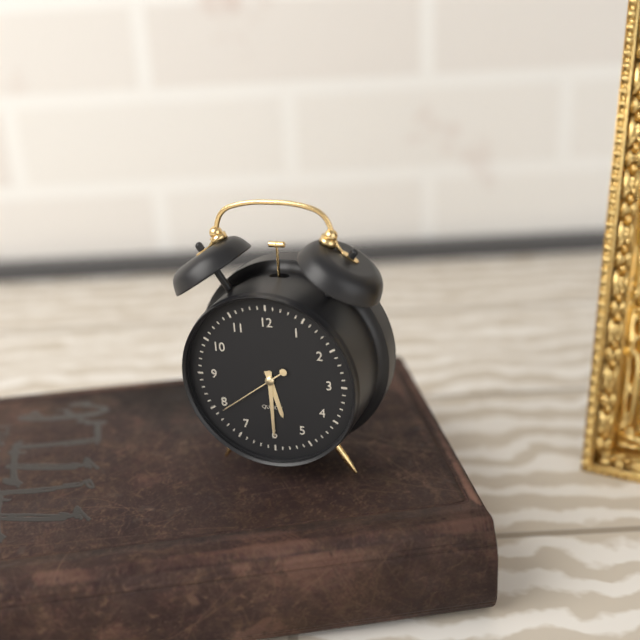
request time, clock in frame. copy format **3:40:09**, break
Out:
**5:30:39**
